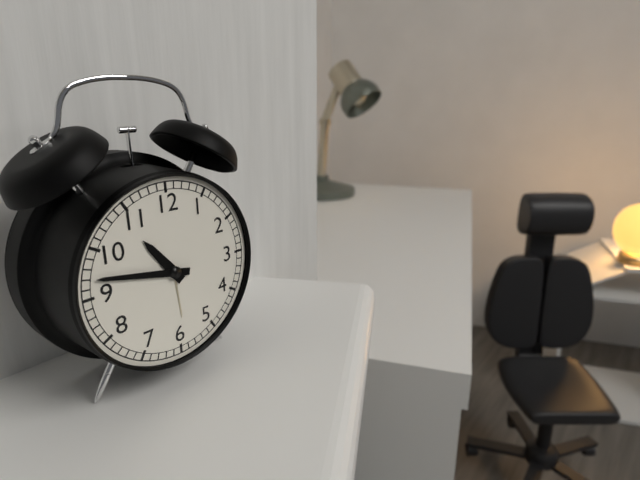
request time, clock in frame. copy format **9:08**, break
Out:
**10:47**
